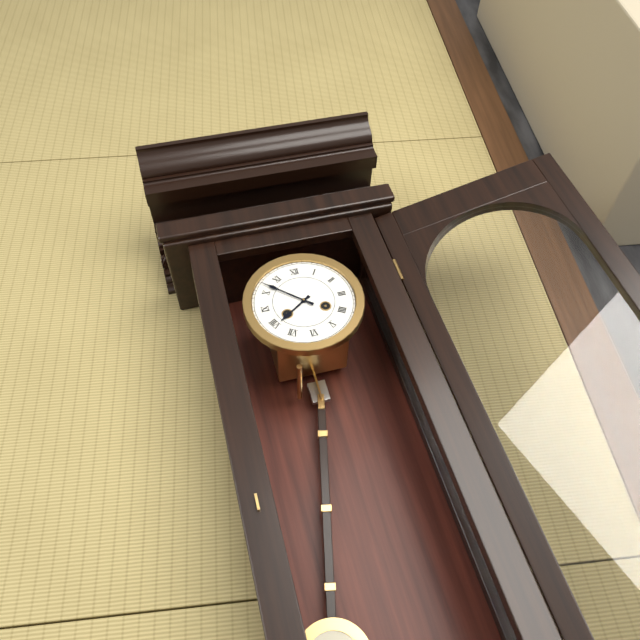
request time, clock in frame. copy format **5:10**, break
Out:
**7:52**
